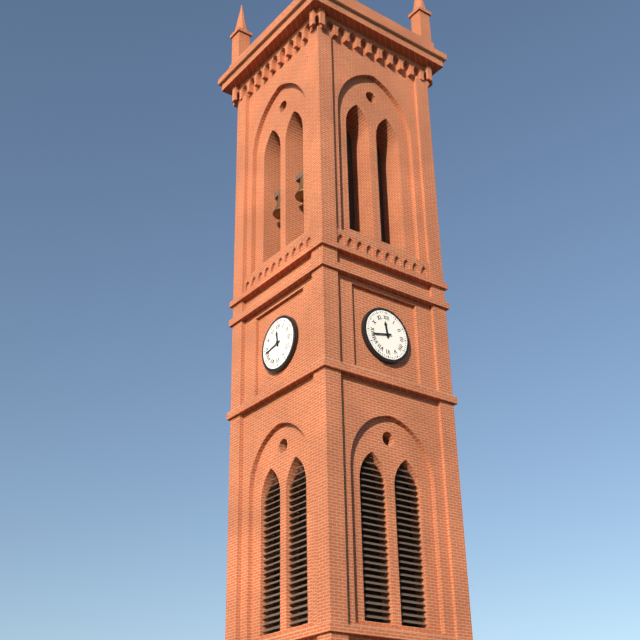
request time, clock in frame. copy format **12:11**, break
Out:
**11:43**
